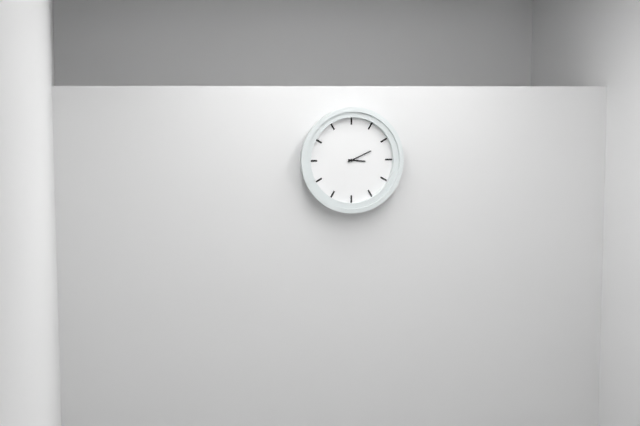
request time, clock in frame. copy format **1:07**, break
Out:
**3:11**
